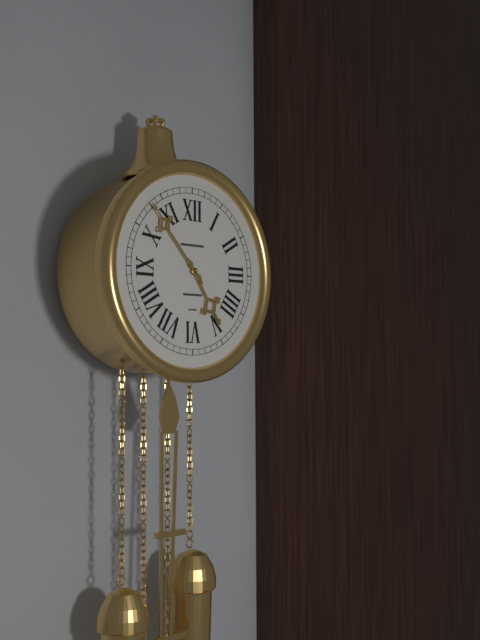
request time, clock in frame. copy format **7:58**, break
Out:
**4:53**
